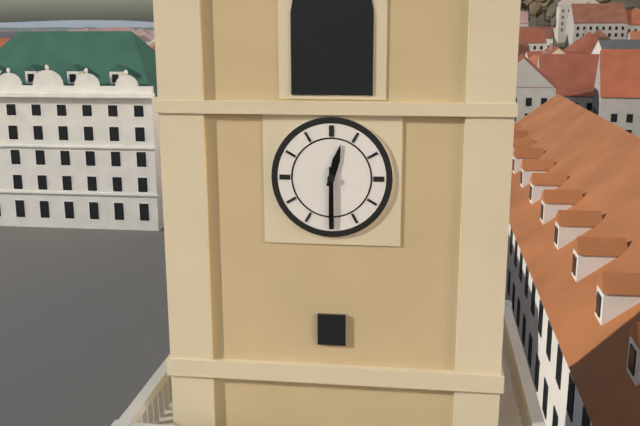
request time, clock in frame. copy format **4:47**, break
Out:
**12:30**
